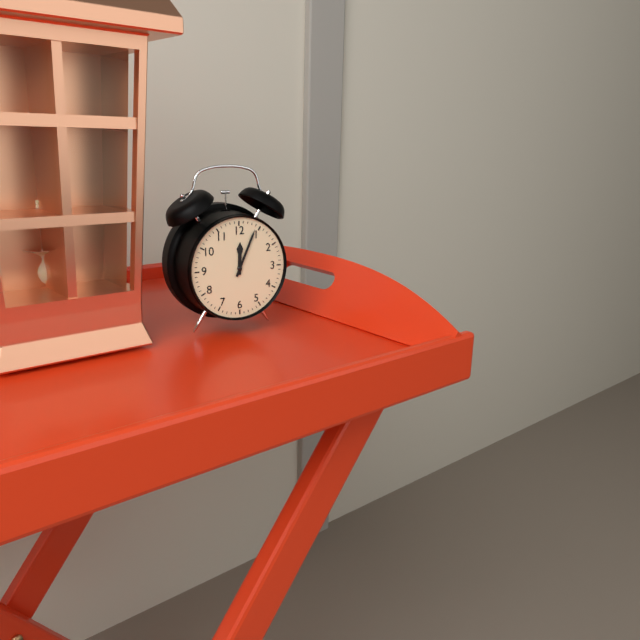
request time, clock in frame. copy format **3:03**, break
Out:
**12:04**
